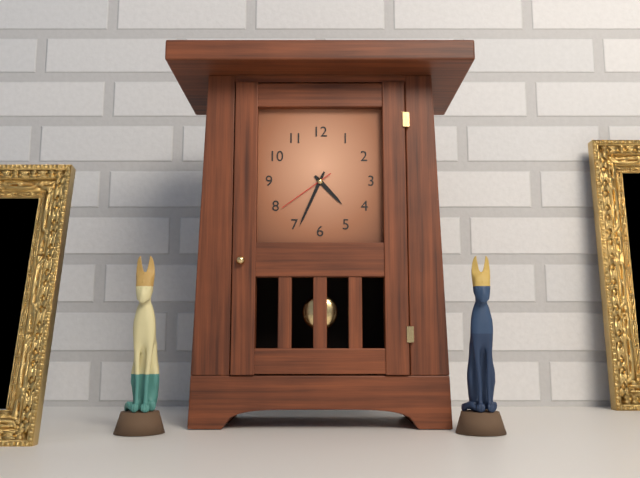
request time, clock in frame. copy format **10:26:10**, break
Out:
**4:34:39**
